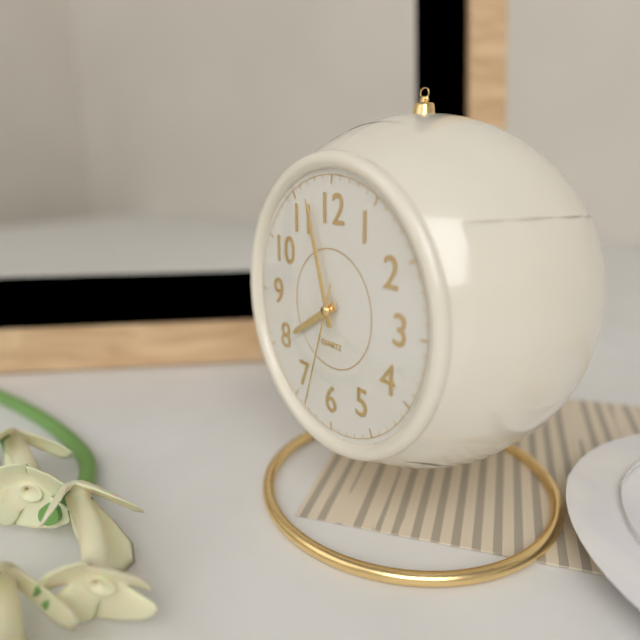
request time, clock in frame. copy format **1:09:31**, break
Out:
**7:57:33**
